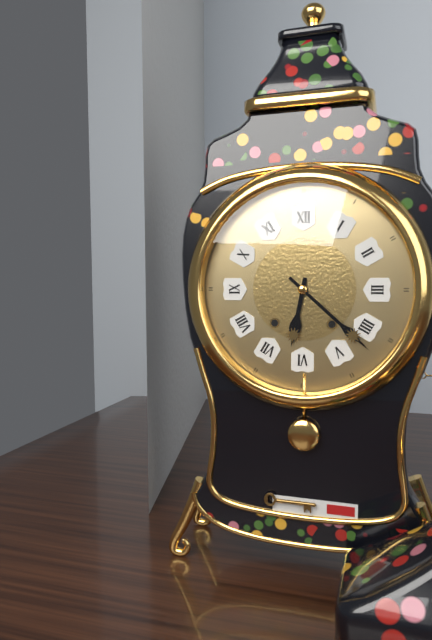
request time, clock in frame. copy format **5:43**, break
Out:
**6:22**
